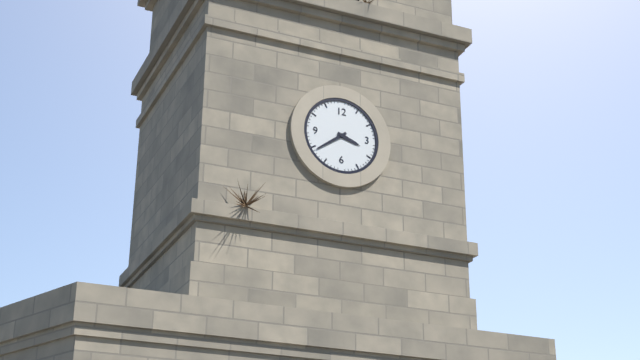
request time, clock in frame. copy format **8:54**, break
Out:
**3:39**
